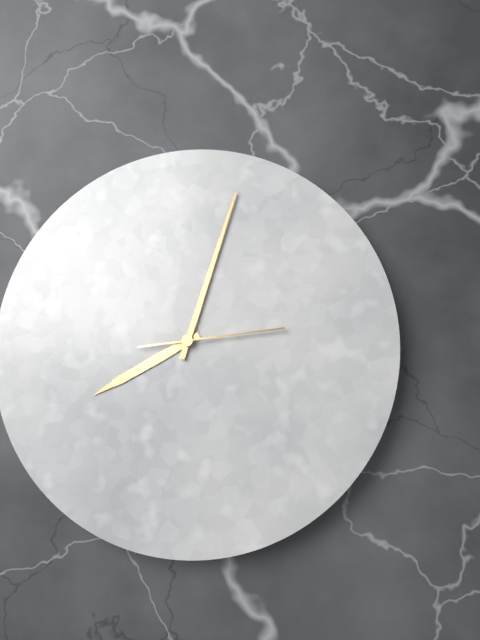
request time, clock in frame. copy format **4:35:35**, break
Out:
**8:03:14**
